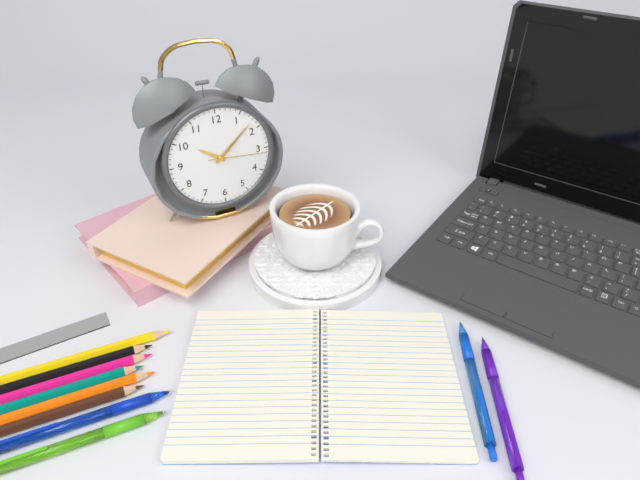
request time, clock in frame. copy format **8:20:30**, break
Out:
**10:08:16**
